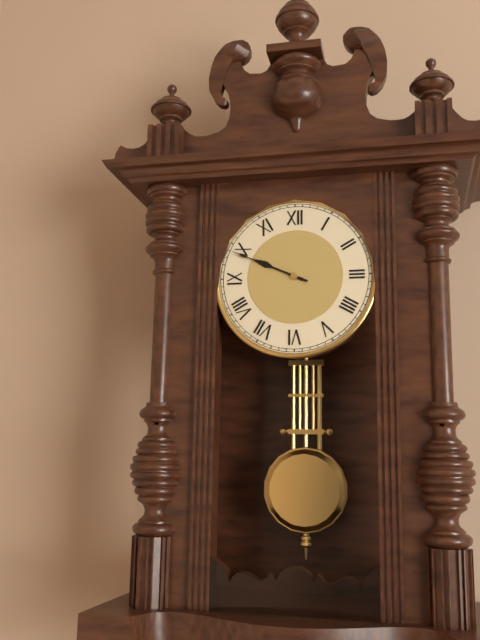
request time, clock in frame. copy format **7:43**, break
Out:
**9:49**
